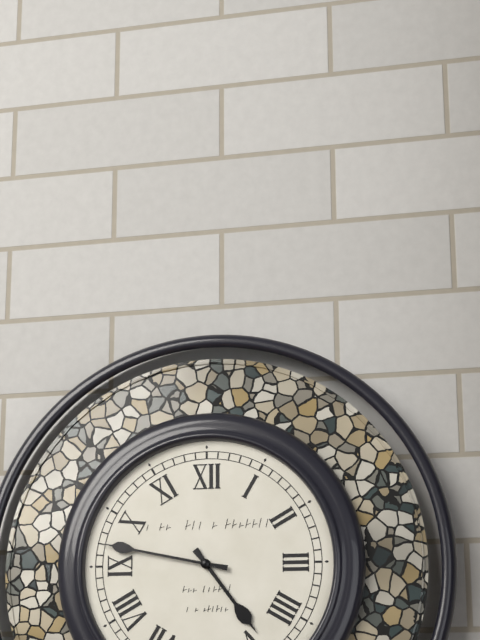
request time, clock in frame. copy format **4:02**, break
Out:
**4:47**
